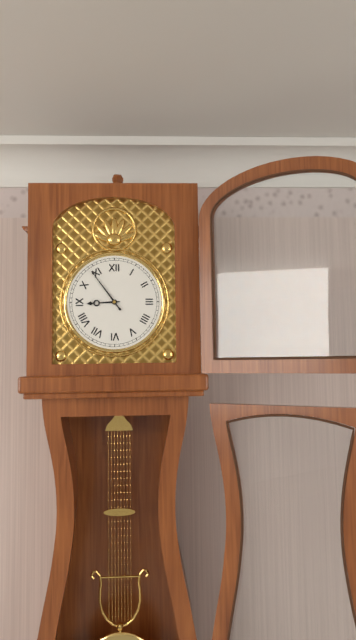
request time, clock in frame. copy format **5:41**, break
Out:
**8:54**
